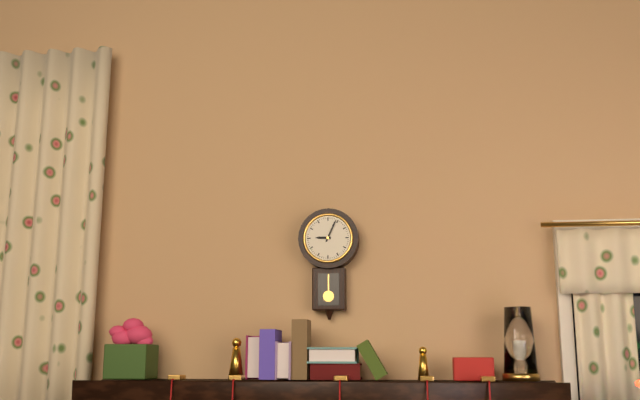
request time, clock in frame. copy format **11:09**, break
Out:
**9:04**
